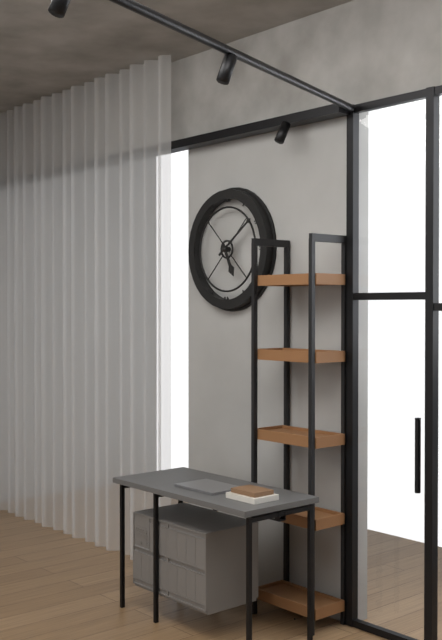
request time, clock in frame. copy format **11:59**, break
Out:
**5:09**
